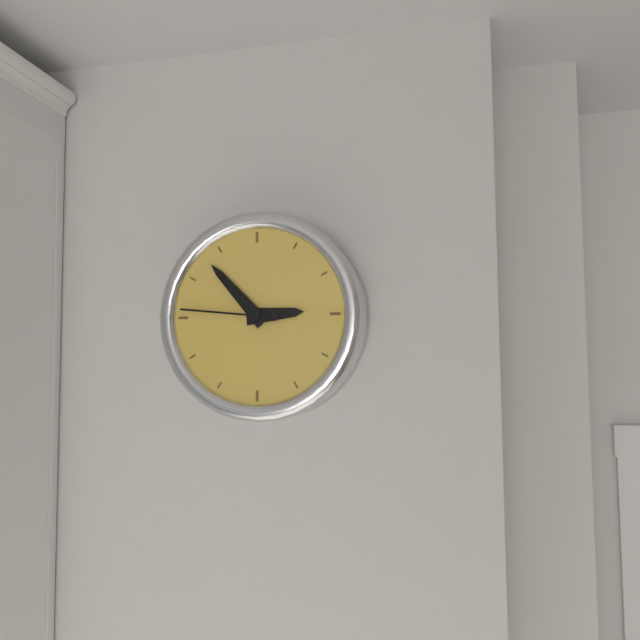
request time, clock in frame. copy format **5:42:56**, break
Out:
**2:53:46**
